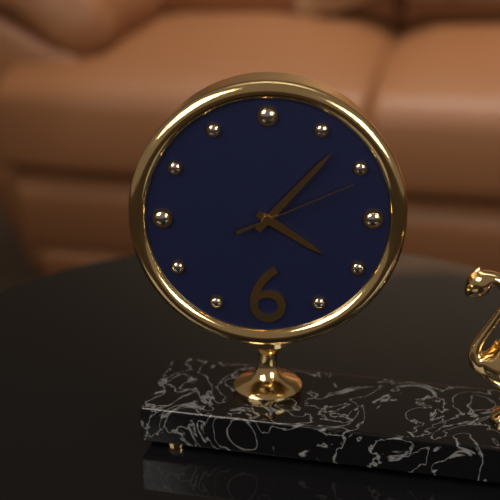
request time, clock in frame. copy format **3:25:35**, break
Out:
**4:07:11**
